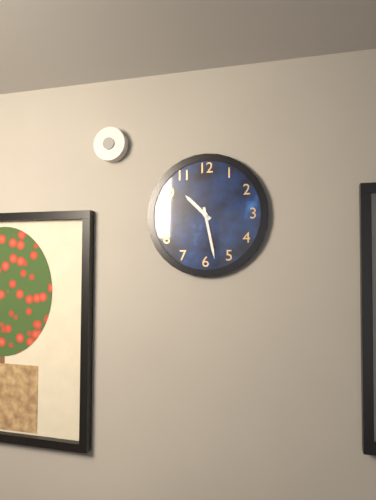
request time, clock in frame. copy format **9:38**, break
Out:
**10:28**
